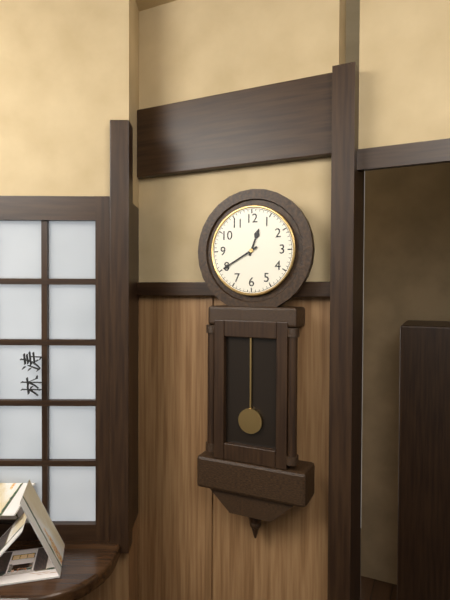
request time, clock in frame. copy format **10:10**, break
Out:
**12:40**
